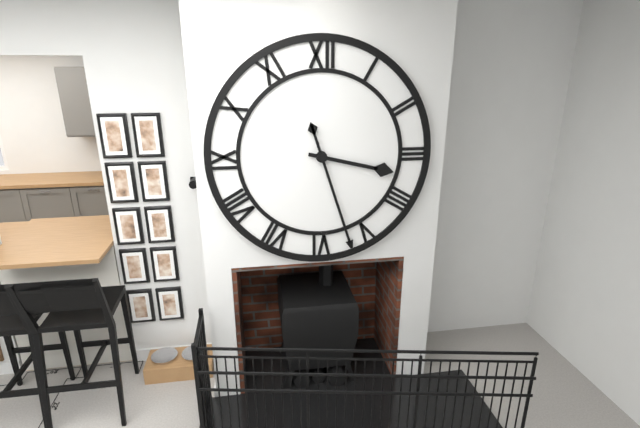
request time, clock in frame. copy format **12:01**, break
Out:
**3:27**
